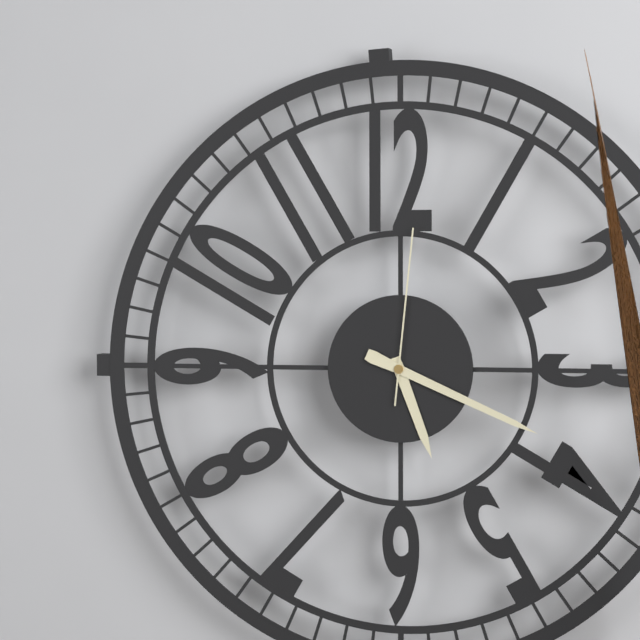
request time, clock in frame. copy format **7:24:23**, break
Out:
**5:19:01**
